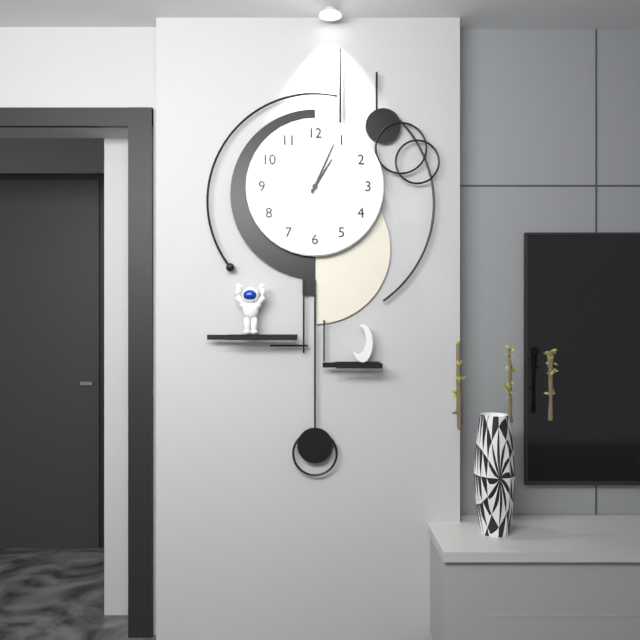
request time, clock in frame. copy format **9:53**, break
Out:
**1:04**
